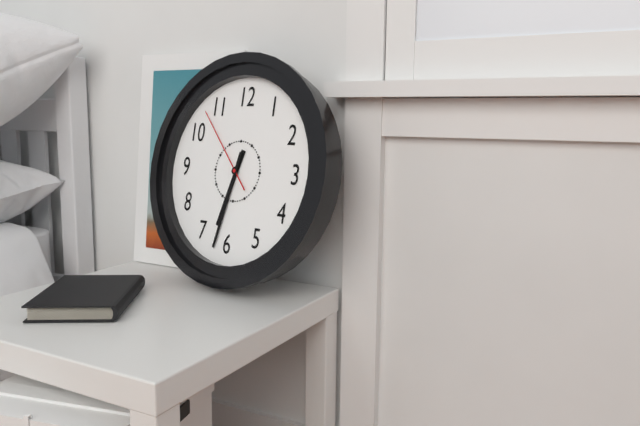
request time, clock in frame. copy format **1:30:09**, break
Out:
**6:32:53**
